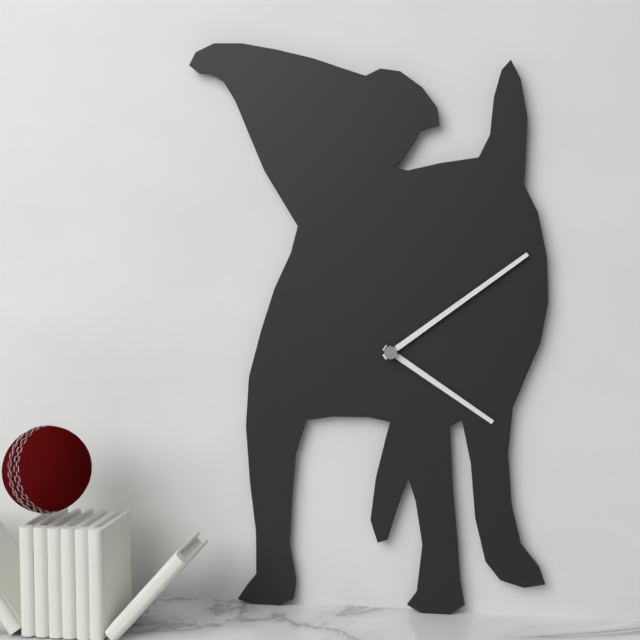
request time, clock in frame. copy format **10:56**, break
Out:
**4:09**
